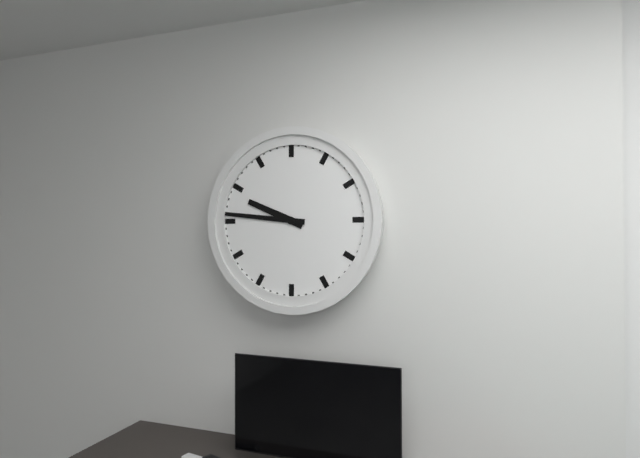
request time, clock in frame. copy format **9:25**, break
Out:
**9:46**
